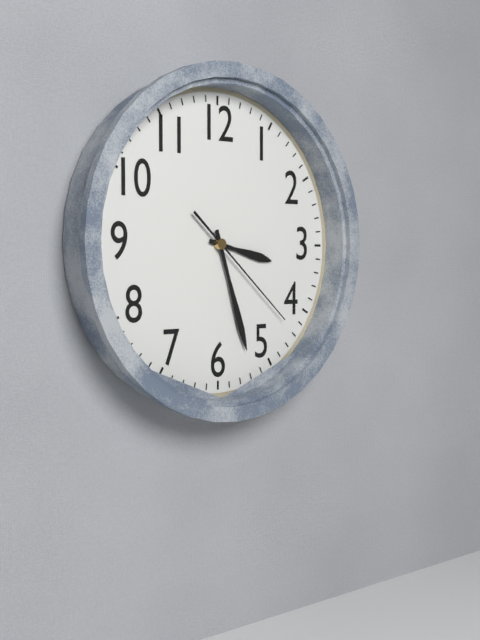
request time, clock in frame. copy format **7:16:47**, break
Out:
**3:27:22**
